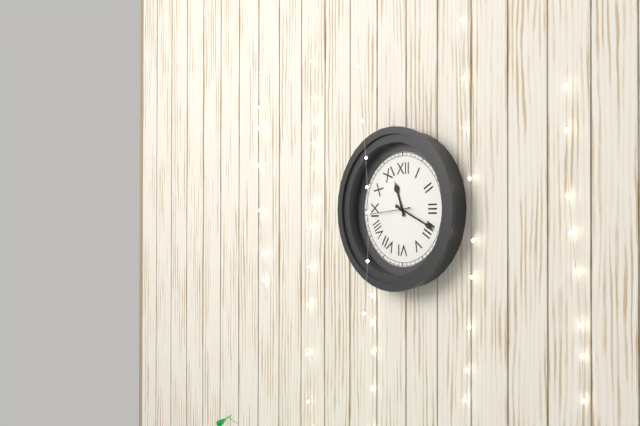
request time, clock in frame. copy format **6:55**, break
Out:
**11:19**
